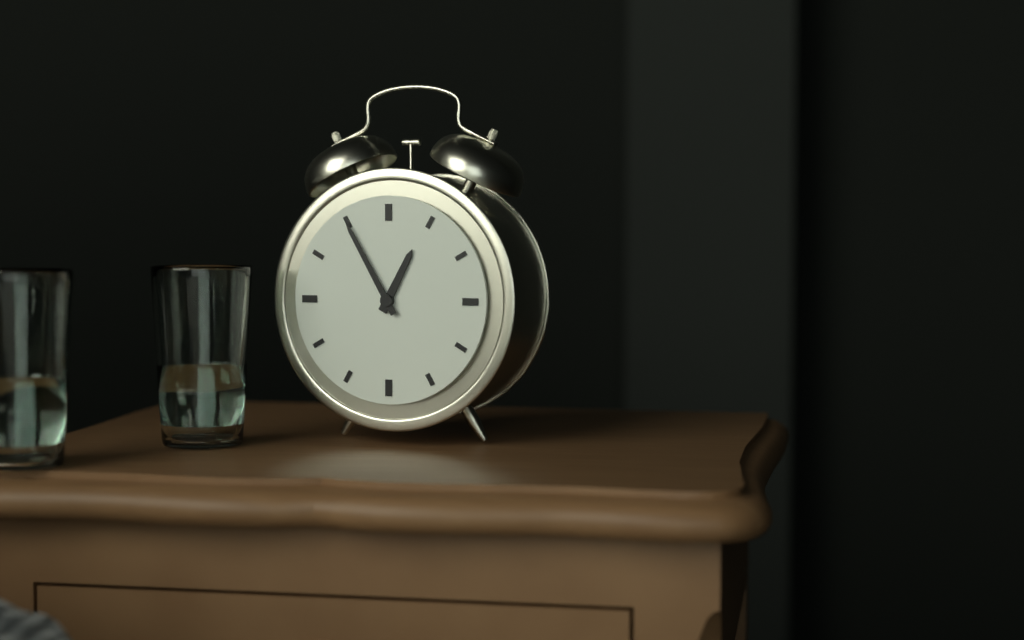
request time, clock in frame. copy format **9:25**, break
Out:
**12:55**
